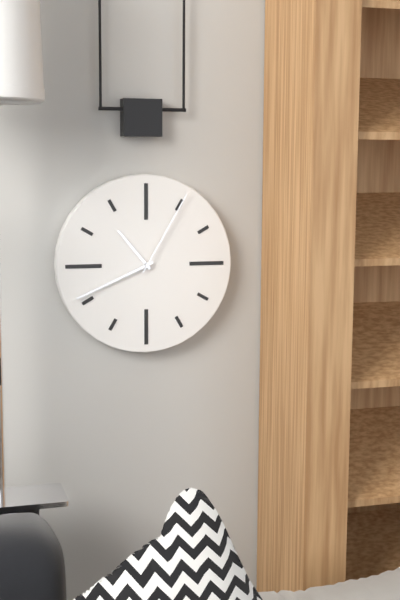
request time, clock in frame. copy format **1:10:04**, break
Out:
**10:41:05**
